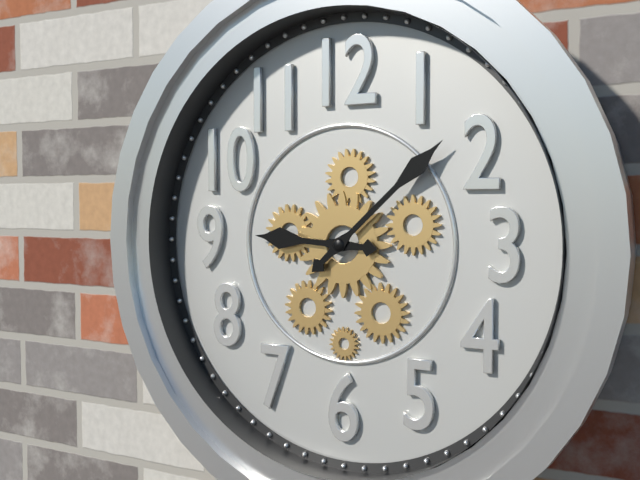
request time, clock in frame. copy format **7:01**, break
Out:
**9:08**
